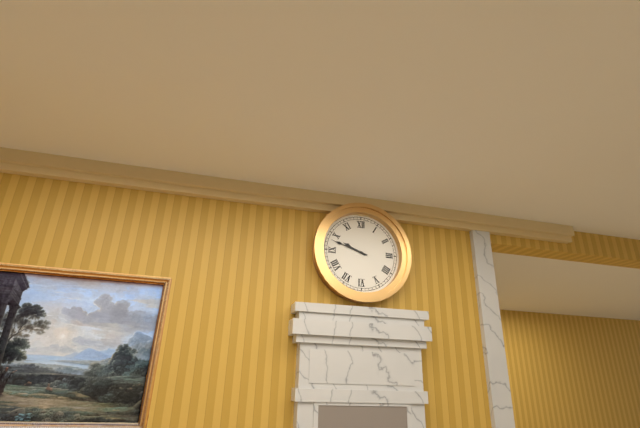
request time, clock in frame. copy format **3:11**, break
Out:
**9:48**
